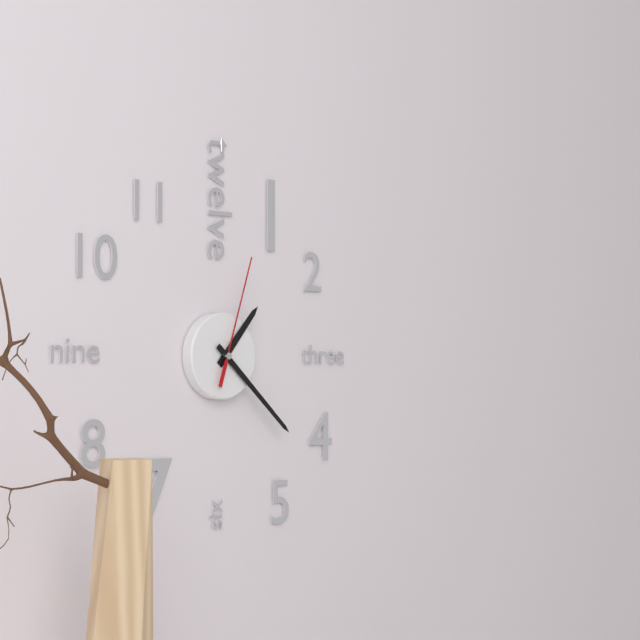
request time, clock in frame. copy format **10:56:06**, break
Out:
**1:22:03**
